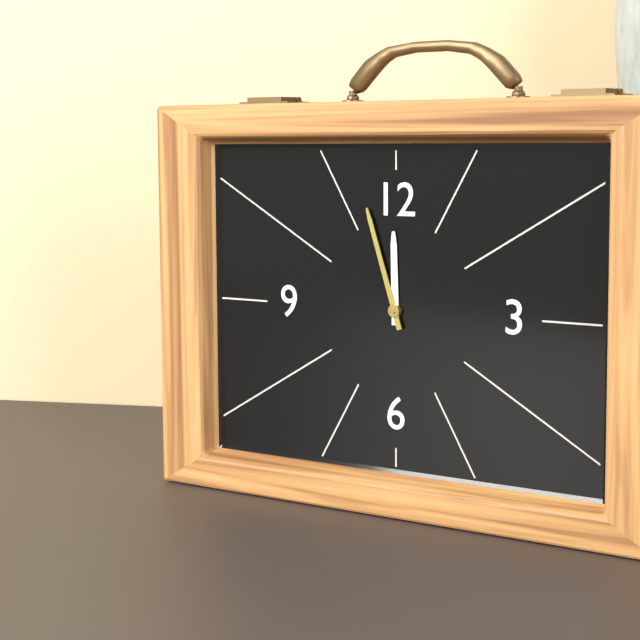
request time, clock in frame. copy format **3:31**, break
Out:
**11:57**
